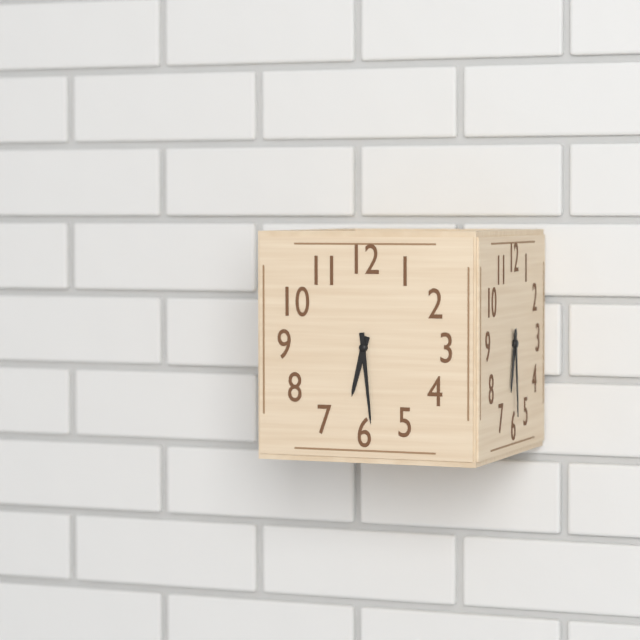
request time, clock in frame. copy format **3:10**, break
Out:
**6:29**
